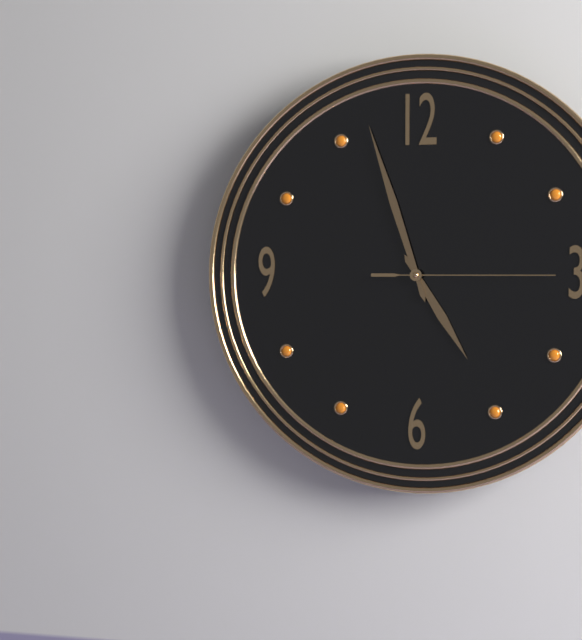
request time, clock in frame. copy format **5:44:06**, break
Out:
**4:57:15**
